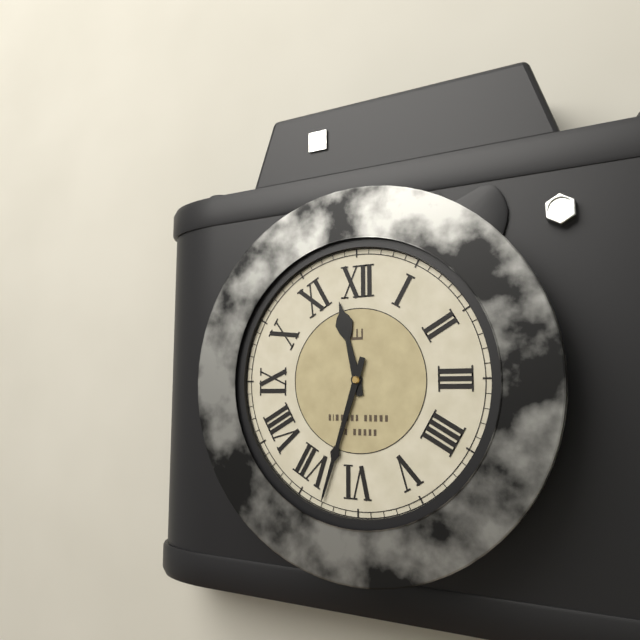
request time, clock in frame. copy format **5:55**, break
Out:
**11:33**
